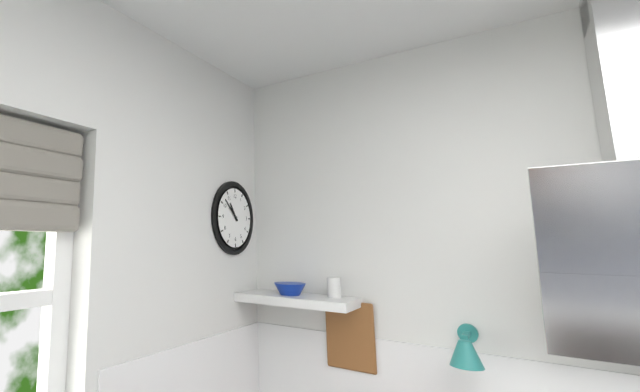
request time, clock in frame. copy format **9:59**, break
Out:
**10:52**
